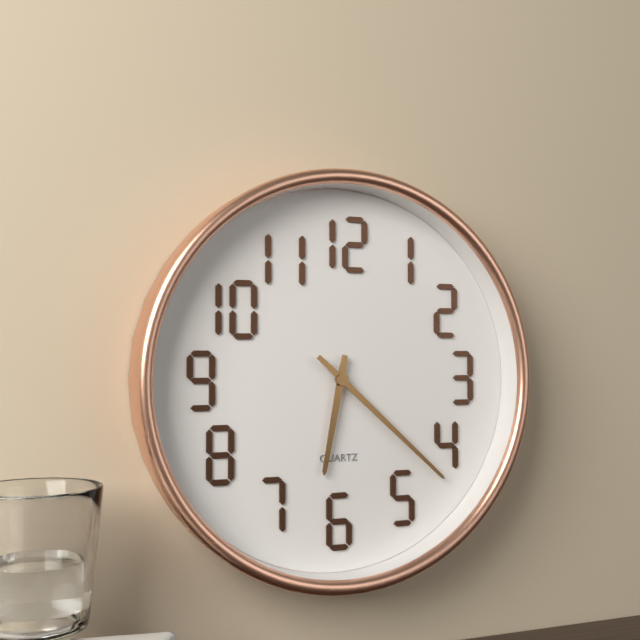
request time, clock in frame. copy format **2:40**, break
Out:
**6:22**
